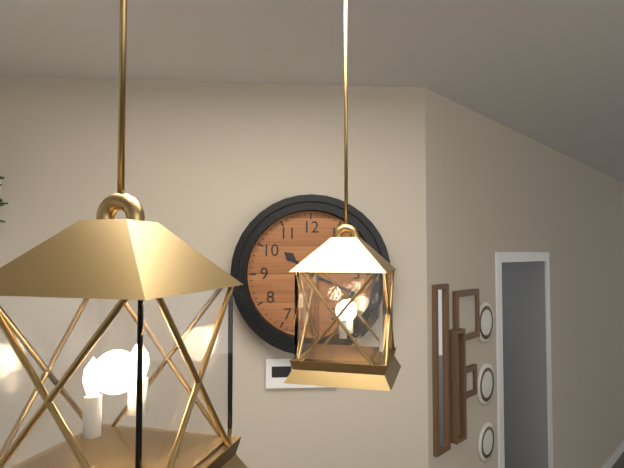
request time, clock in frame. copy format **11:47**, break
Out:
**10:19**
